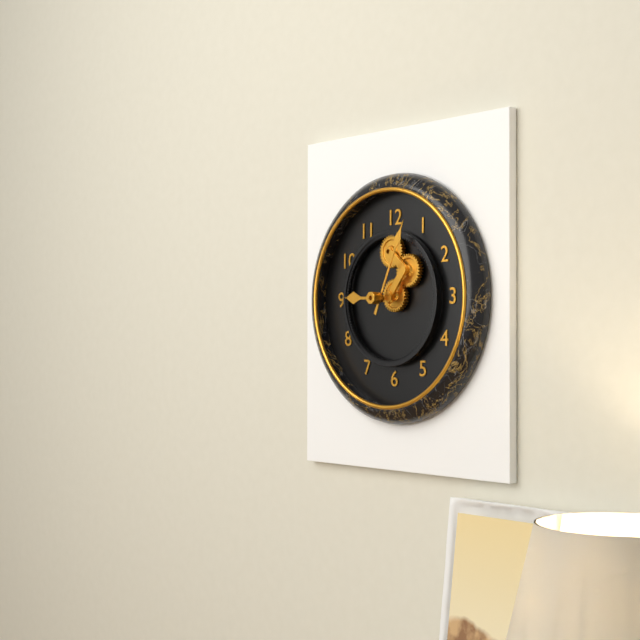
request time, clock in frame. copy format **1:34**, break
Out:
**9:04**
